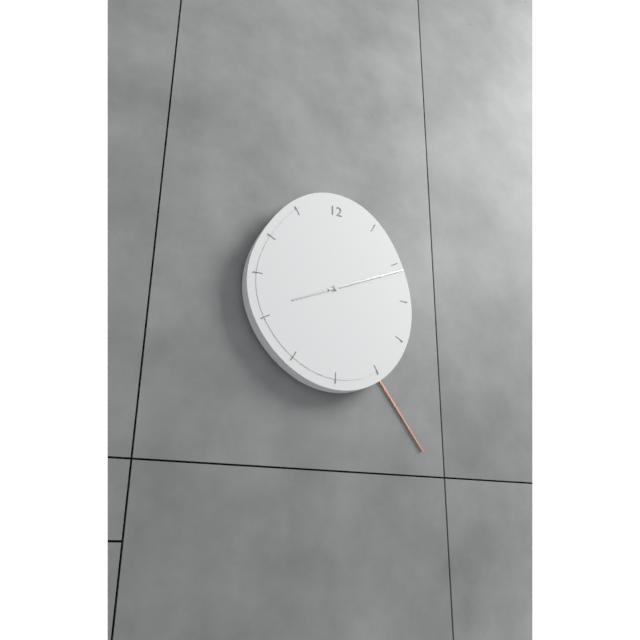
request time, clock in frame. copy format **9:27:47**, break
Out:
**8:11:24**
